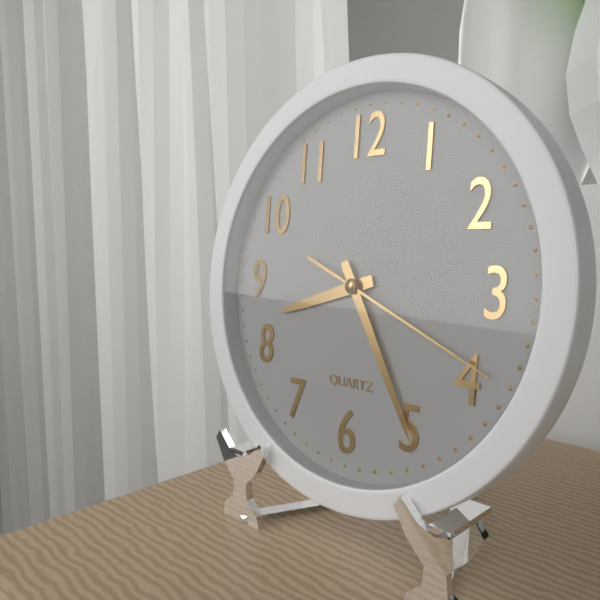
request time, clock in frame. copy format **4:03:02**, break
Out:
**8:25:19**
